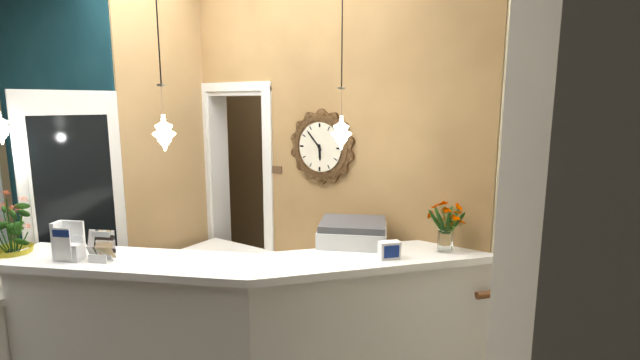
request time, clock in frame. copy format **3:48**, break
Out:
**5:53**
